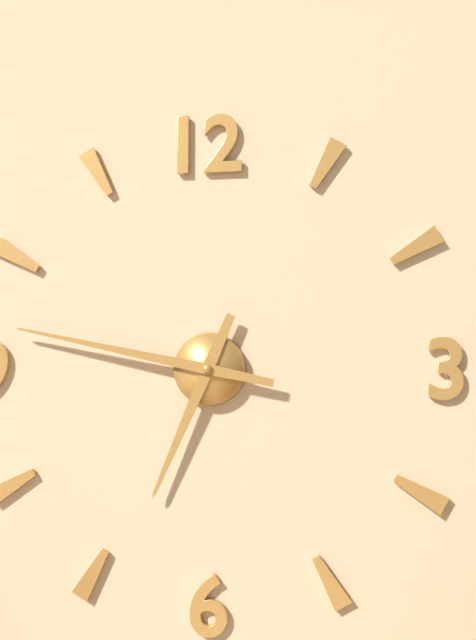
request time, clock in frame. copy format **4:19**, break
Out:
**6:47**
